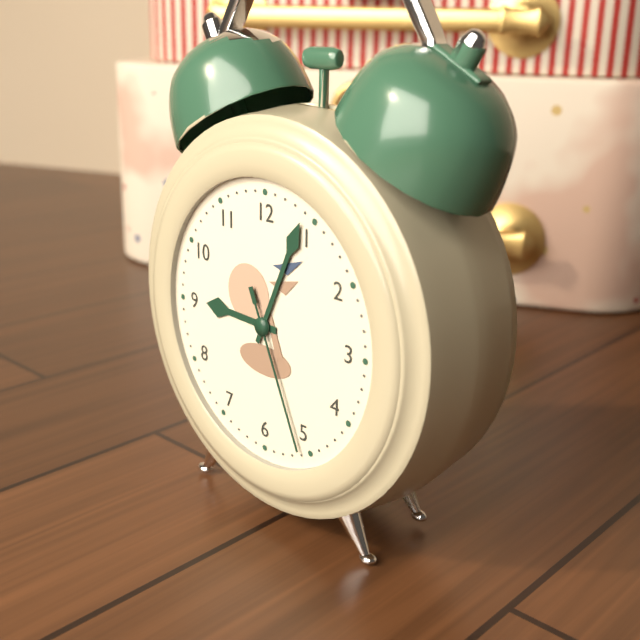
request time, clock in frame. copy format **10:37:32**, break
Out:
**9:04:26**
